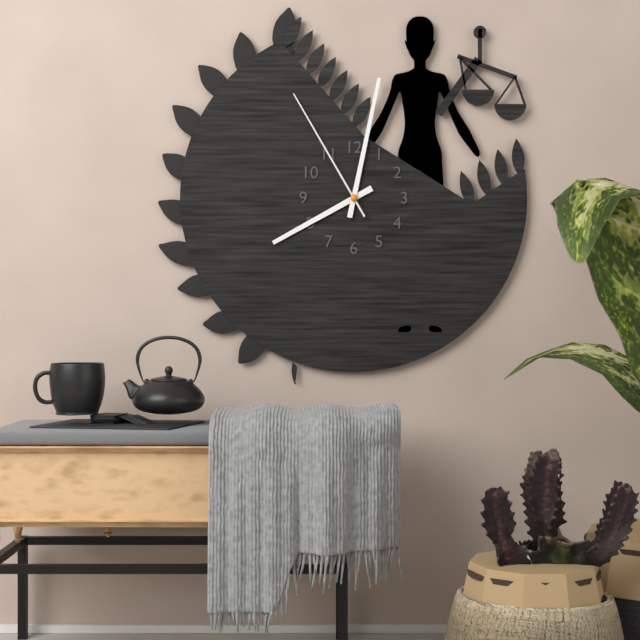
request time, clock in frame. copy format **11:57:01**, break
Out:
**8:02:55**
